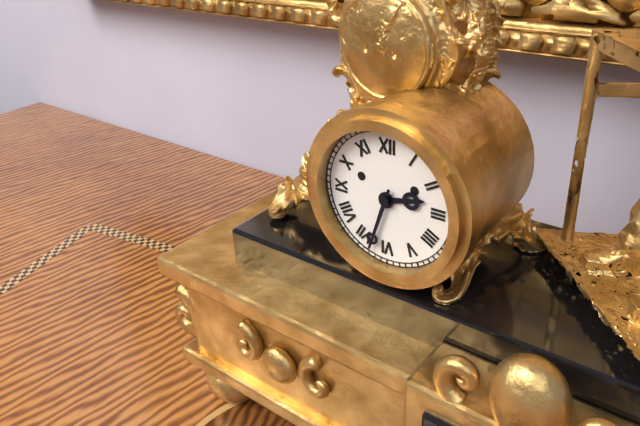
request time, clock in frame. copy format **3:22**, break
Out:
**2:33**
